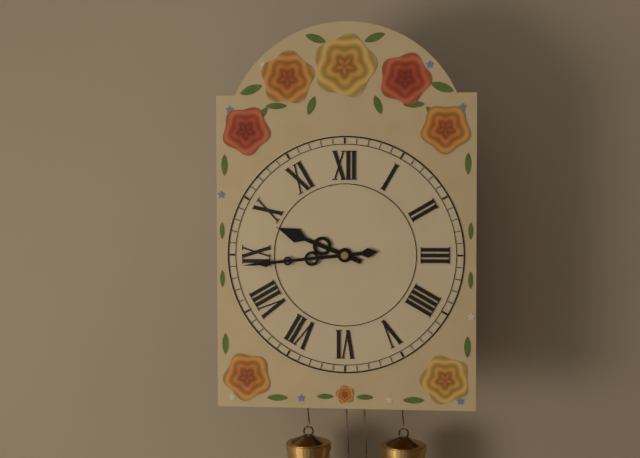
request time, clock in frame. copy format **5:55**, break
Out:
**9:44**
